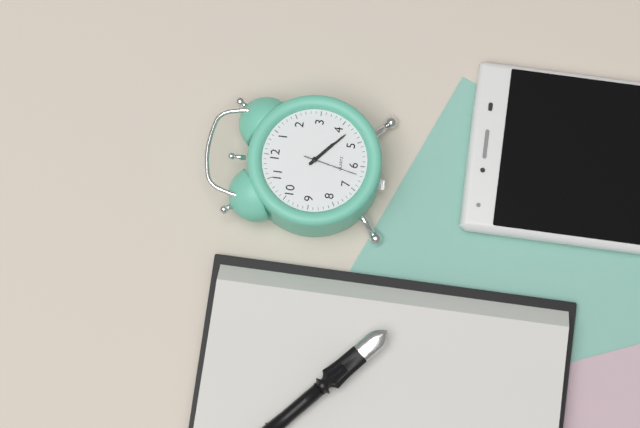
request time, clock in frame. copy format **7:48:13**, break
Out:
**4:22:32**
